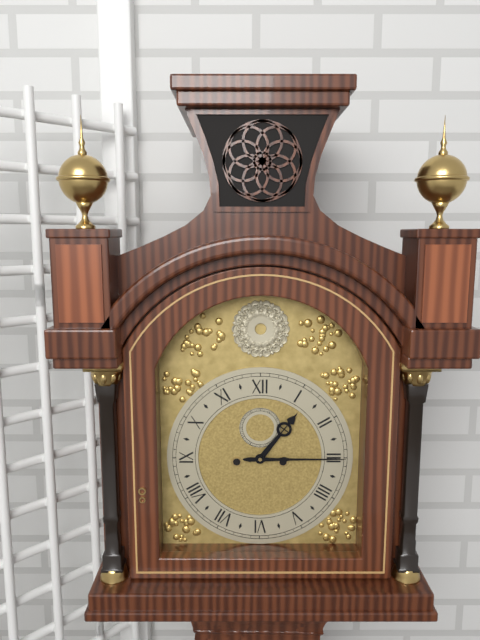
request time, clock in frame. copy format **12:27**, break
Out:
**1:15**
